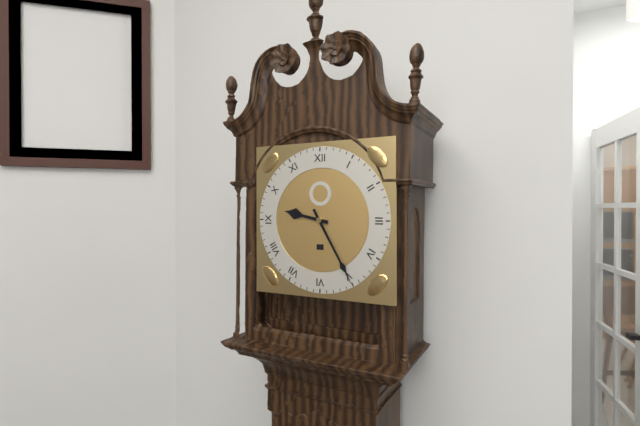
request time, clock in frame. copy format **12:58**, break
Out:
**9:25**
